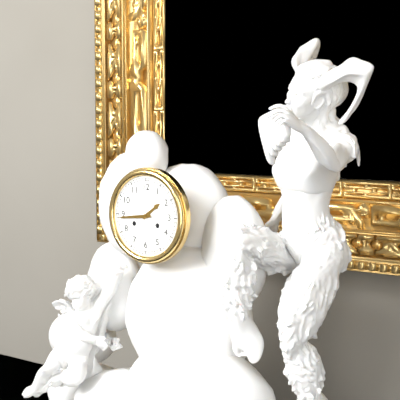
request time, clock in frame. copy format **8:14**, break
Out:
**1:44**
